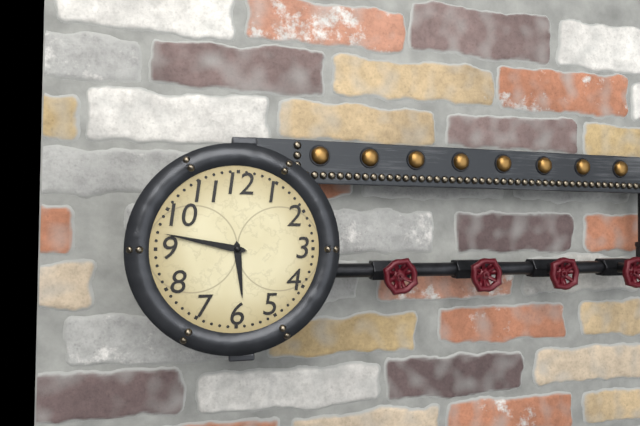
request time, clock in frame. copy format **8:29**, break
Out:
**5:47**
